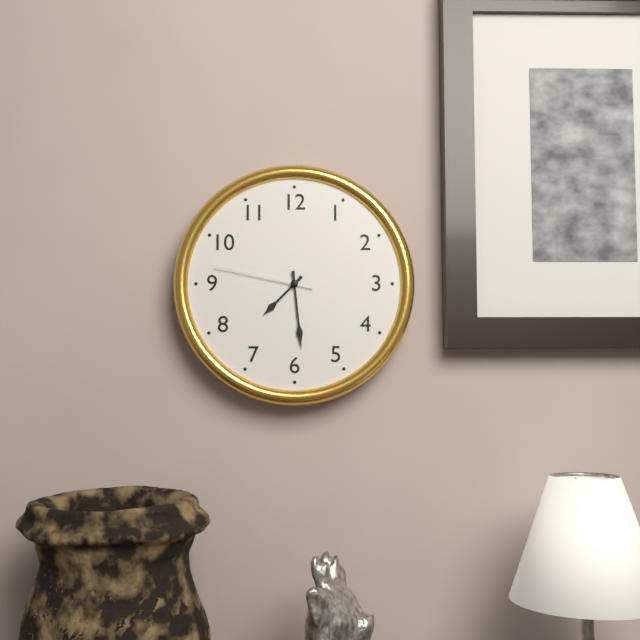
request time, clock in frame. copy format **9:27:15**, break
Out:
**7:29:47**
